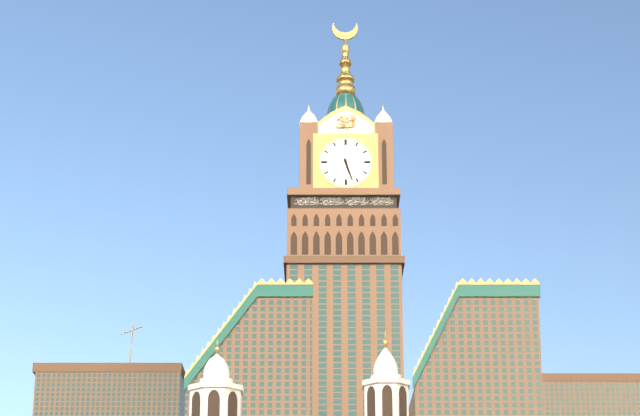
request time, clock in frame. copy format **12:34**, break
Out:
**5:27**
